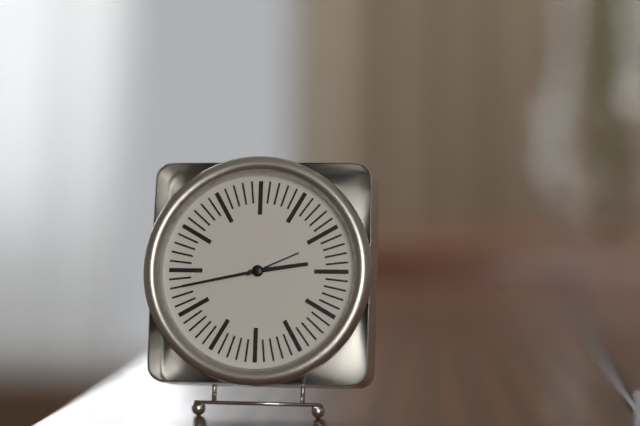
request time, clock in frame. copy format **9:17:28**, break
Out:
**2:43:11**
